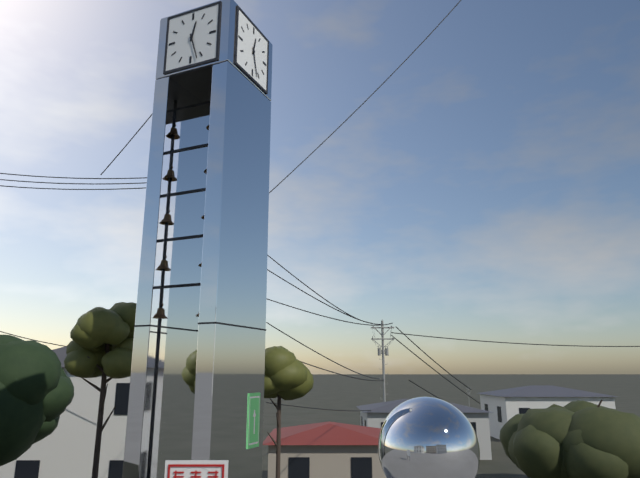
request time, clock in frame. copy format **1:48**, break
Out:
**12:27**
